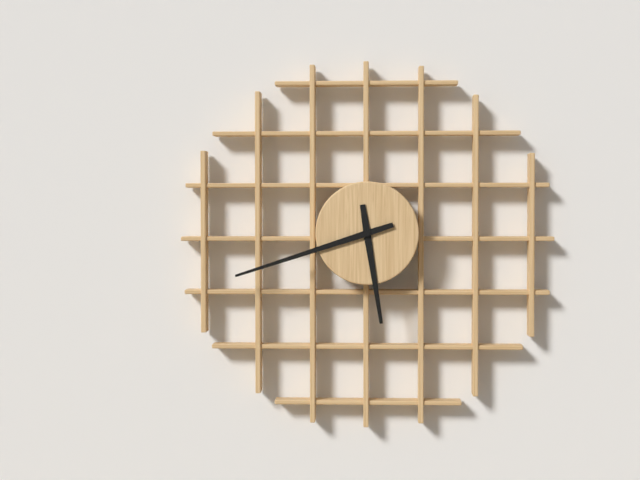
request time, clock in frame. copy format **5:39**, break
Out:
**5:42**
